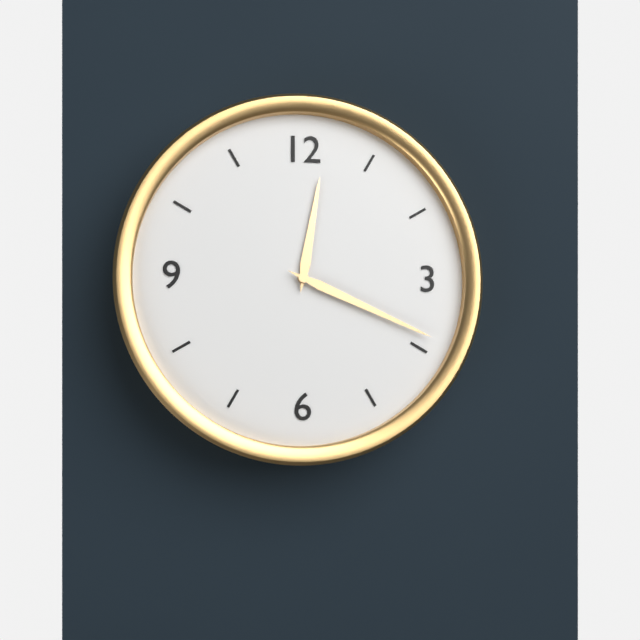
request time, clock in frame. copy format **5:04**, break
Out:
**12:19**
